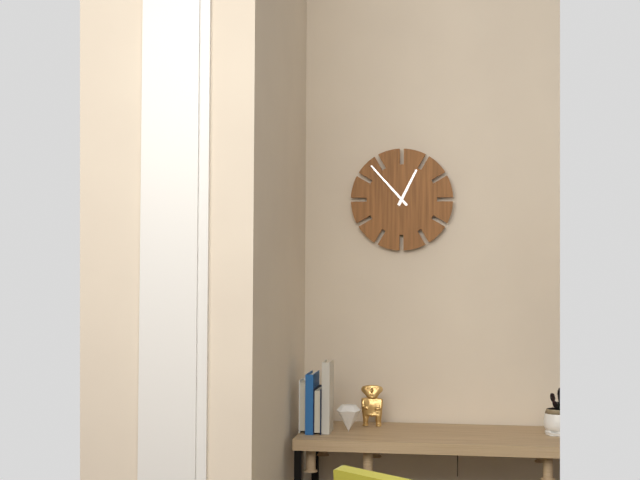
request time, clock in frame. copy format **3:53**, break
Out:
**12:53**
